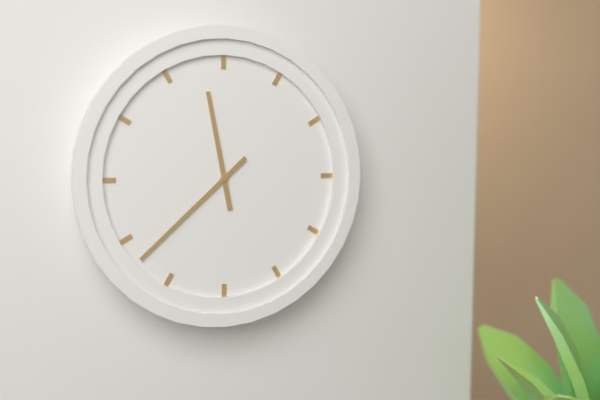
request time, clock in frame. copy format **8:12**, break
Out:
**11:38**
